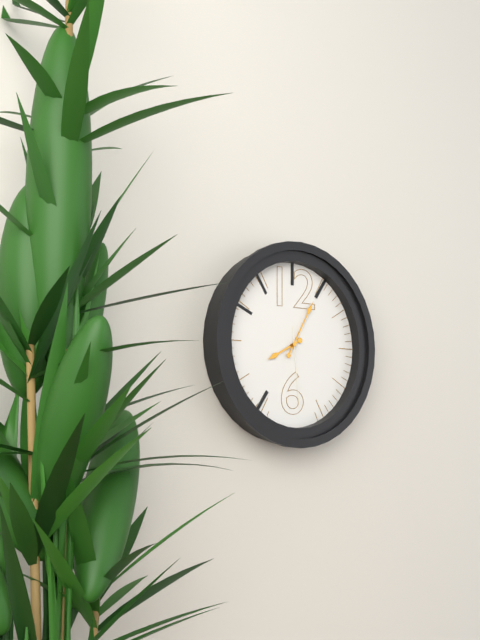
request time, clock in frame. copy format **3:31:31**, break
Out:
**8:05:29**
